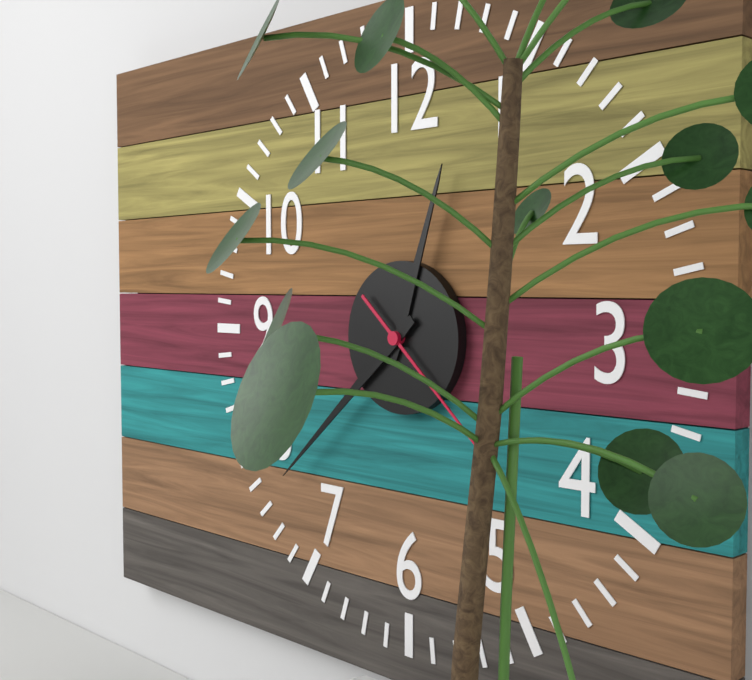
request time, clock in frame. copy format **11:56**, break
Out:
**12:38**
